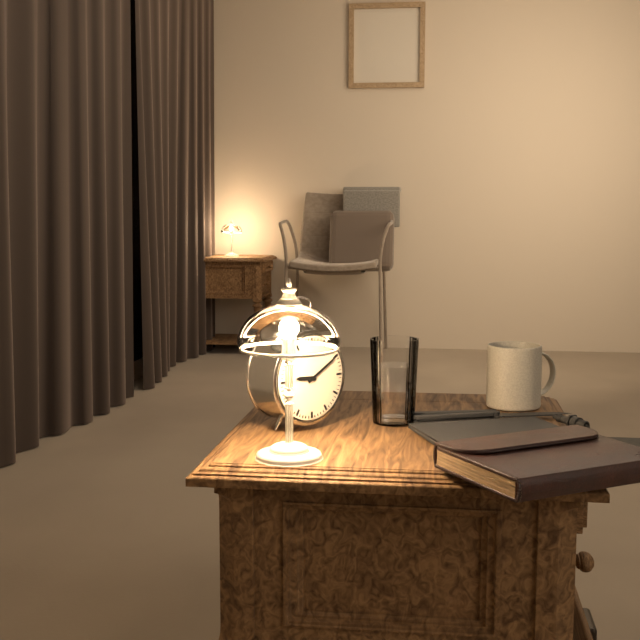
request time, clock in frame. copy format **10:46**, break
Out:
**9:10**
